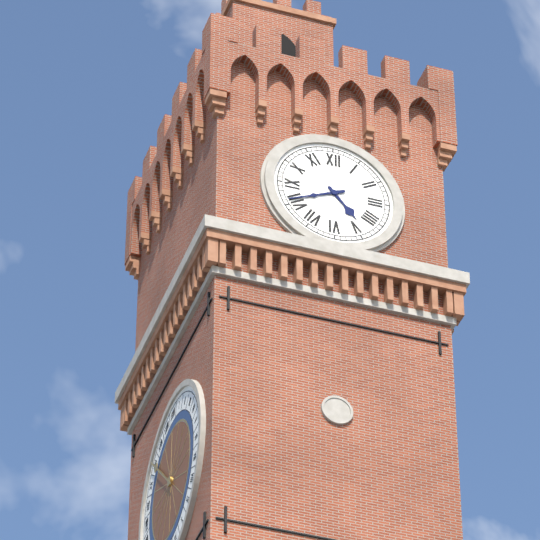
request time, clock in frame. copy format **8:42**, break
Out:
**4:41**
